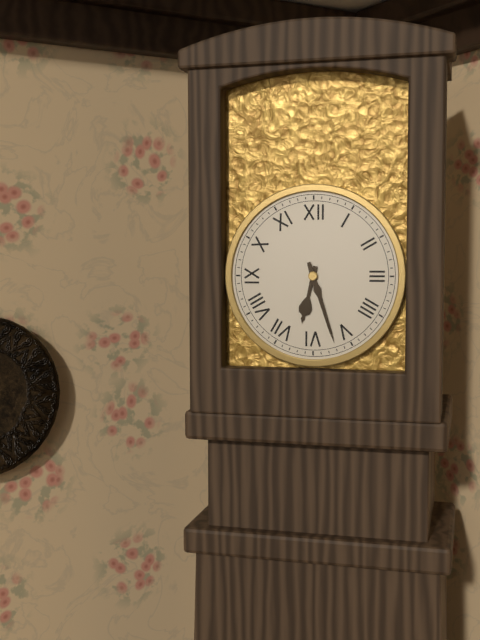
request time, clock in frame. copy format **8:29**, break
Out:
**6:27**
